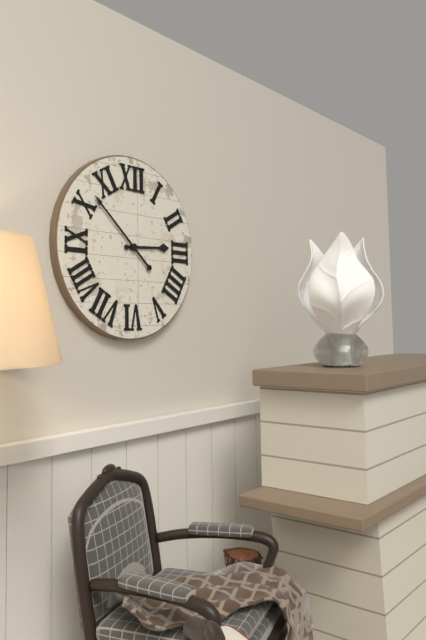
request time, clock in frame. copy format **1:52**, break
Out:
**2:52**
